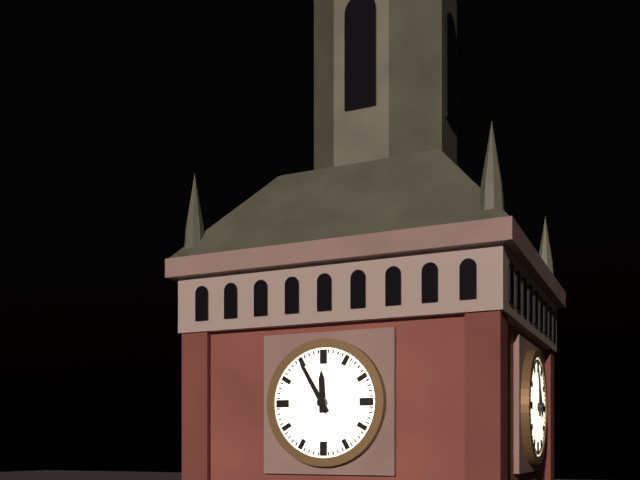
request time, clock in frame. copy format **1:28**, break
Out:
**11:55**
